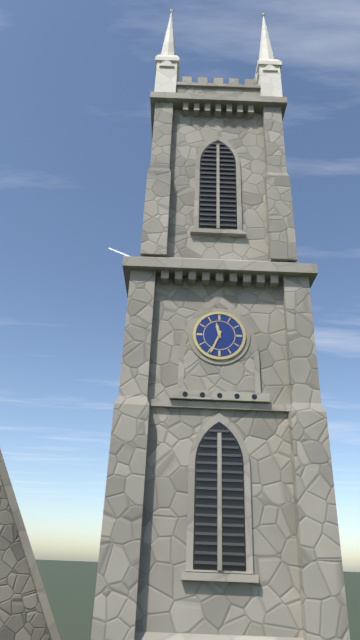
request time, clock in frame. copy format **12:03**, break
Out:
**11:34**
